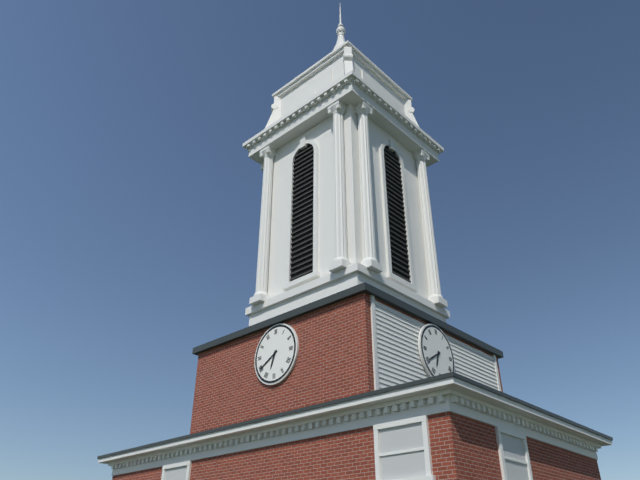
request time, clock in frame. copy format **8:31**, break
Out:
**6:40**
